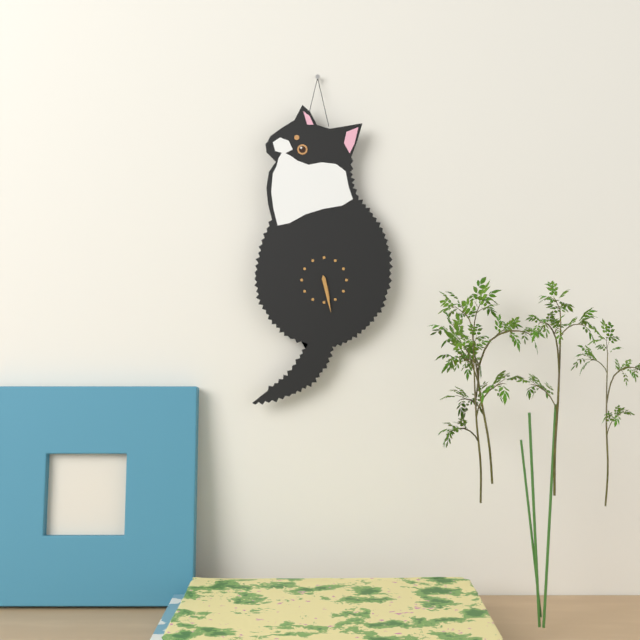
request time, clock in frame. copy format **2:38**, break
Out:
**5:28**
